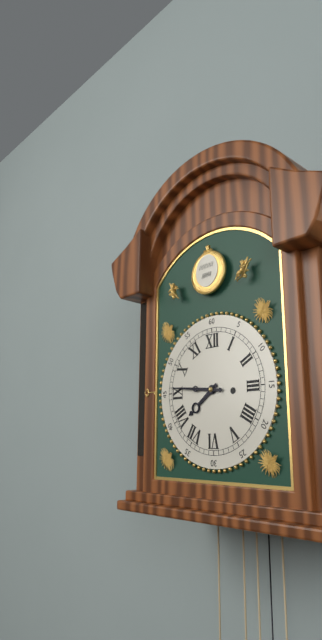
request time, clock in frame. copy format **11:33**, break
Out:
**7:46**
